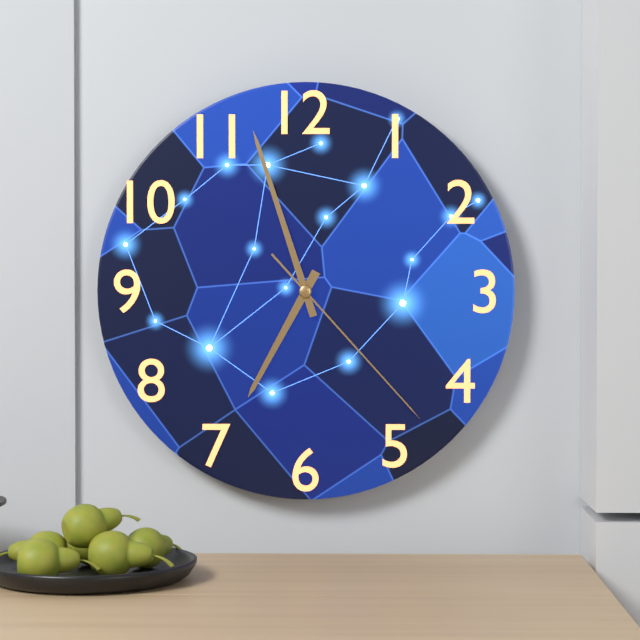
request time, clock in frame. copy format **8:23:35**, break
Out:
**6:57:23**
